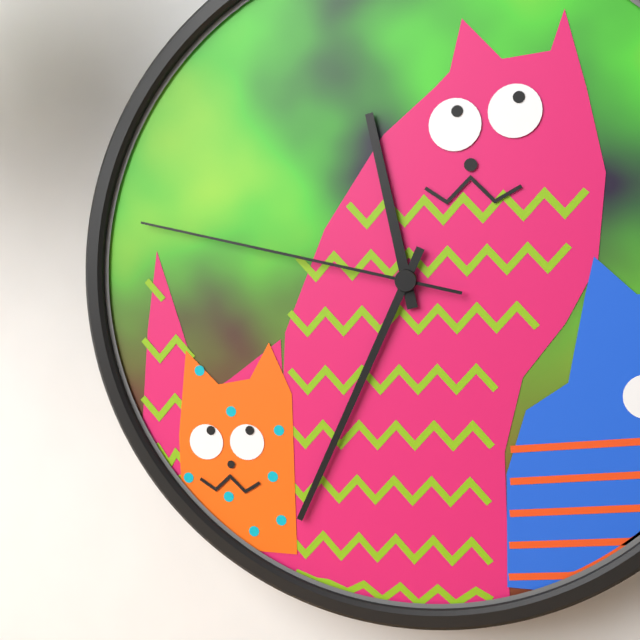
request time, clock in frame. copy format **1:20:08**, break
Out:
**11:34:47**
